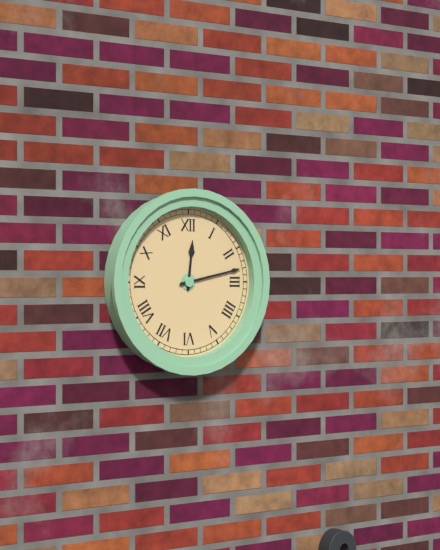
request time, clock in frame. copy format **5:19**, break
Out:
**12:13**
